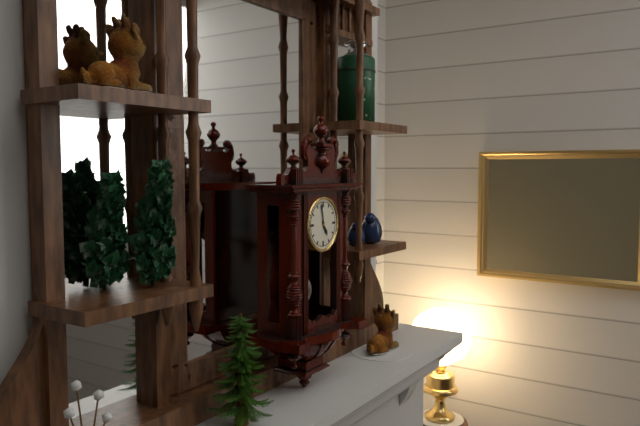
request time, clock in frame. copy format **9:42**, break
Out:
**4:58**
